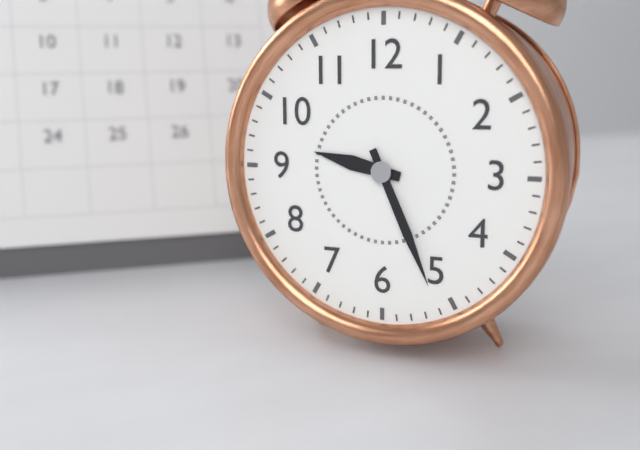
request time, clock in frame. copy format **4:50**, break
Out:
**9:26**
